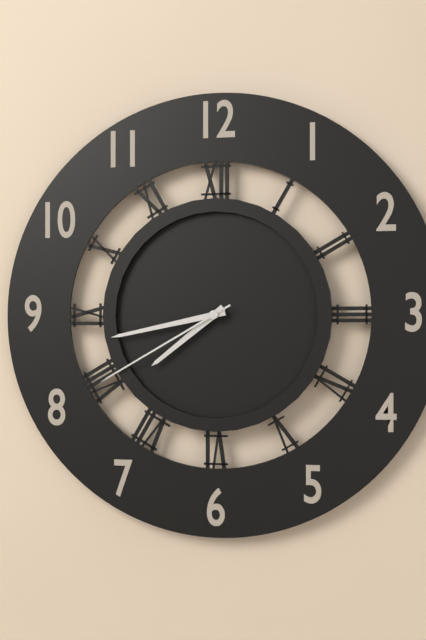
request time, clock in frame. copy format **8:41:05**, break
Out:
**7:43:40**
